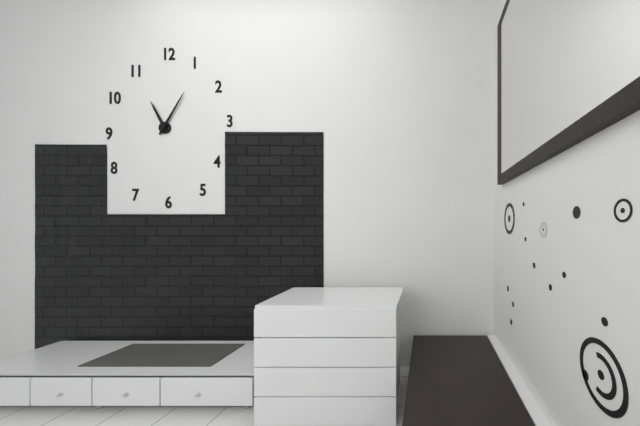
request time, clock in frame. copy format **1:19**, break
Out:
**11:05**
